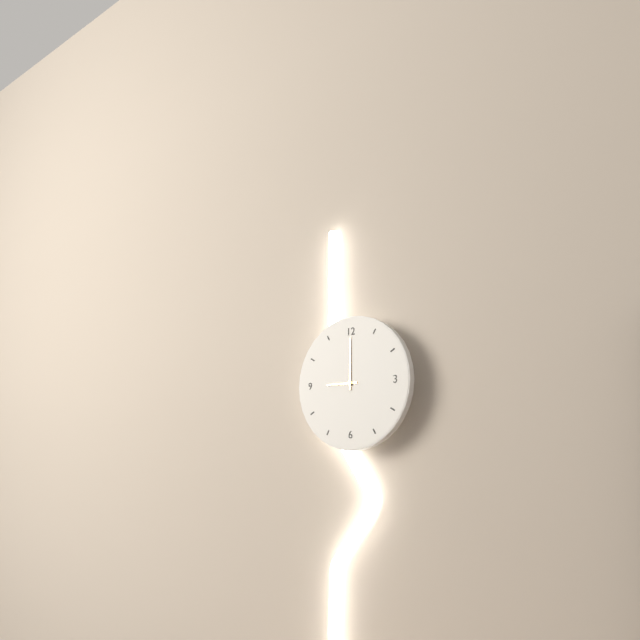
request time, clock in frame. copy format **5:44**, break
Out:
**9:00**
